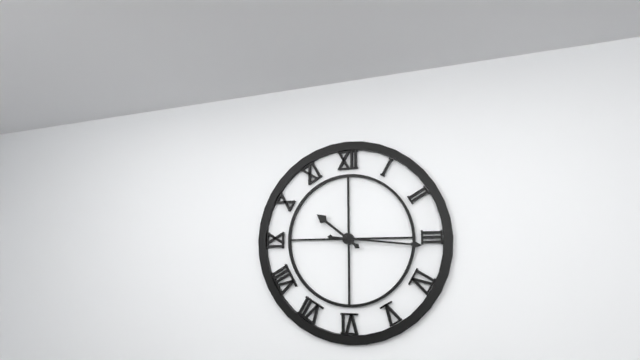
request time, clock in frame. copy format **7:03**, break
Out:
**10:16**
